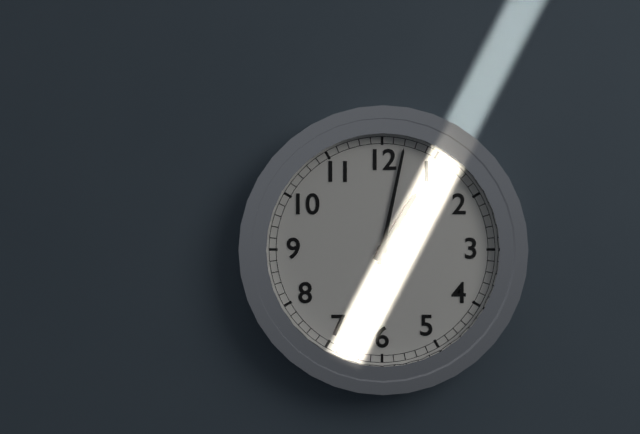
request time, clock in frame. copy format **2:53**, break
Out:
**1:02**
